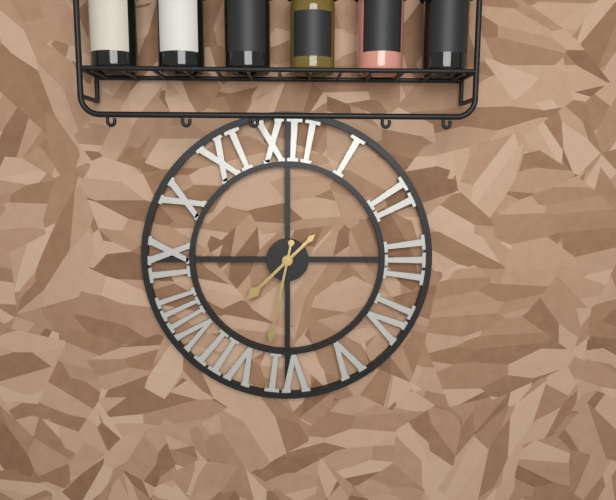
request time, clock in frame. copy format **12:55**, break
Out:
**7:32**
